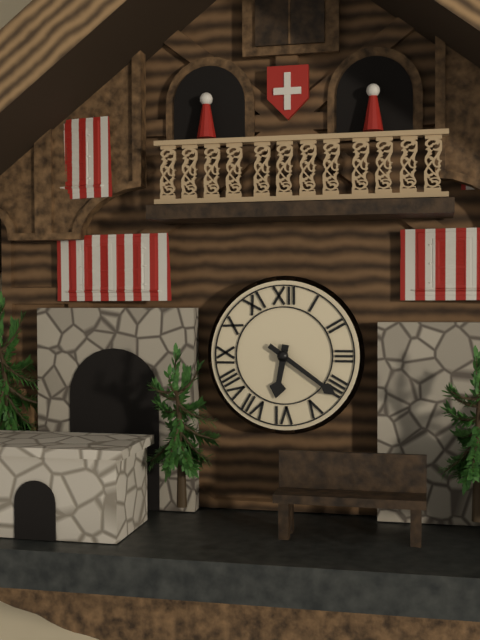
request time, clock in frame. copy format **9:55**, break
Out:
**6:21**
